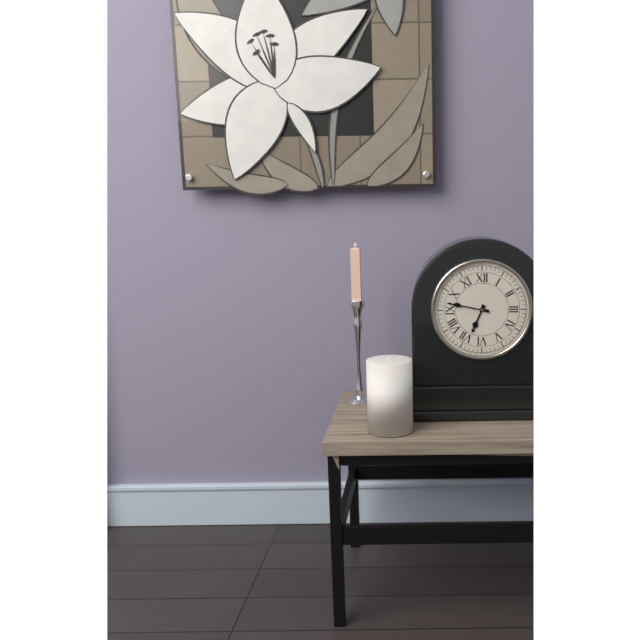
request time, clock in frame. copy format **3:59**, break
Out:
**6:47**
